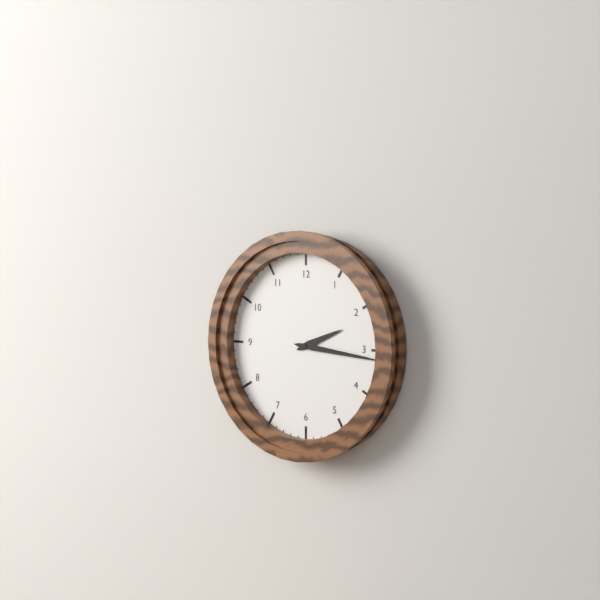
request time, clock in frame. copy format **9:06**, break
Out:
**2:16**
